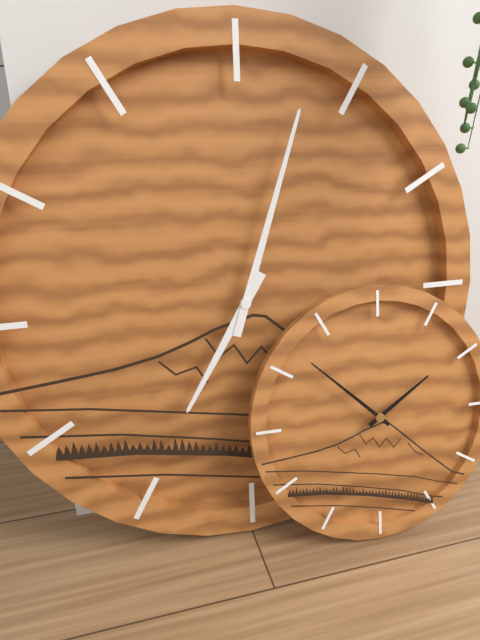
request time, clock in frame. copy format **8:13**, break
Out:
**7:03**
